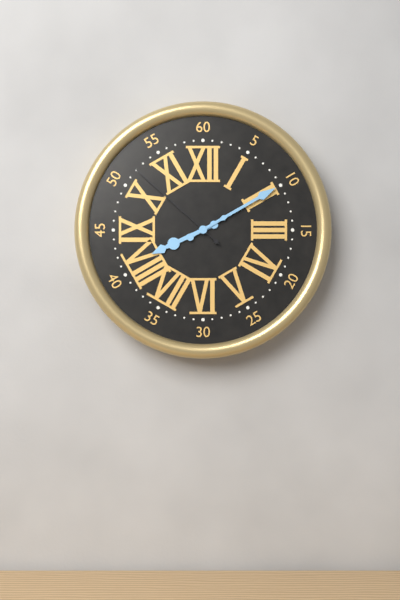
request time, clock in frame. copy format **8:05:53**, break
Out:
**8:10:52**
